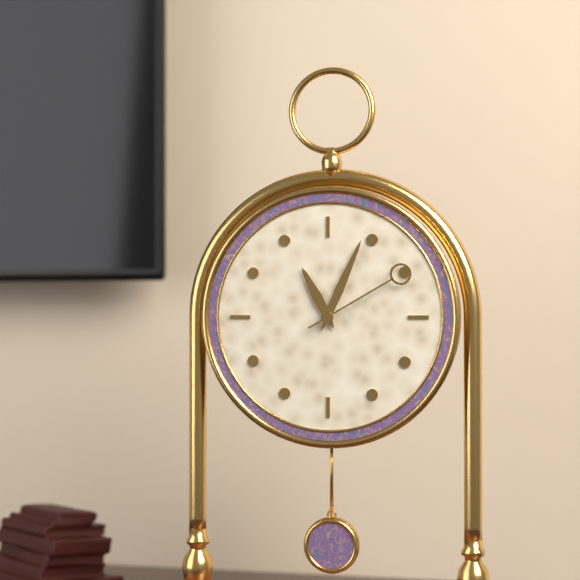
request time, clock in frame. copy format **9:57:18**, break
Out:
**11:04:10**
